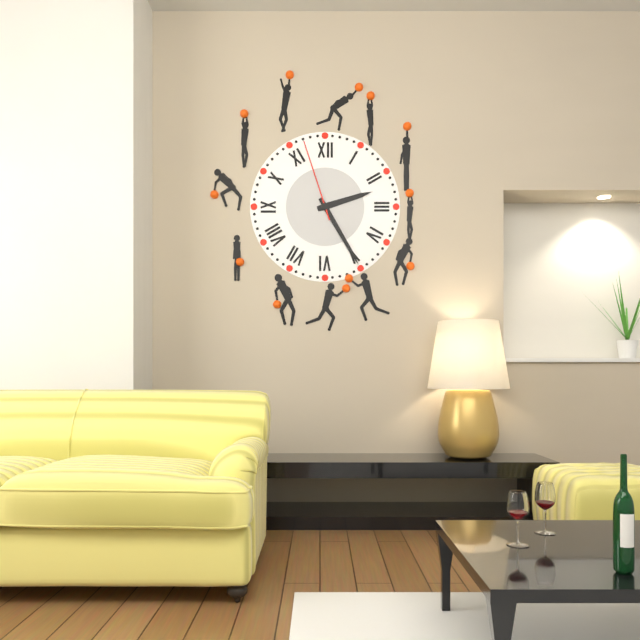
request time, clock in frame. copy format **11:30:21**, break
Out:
**2:25:57**
